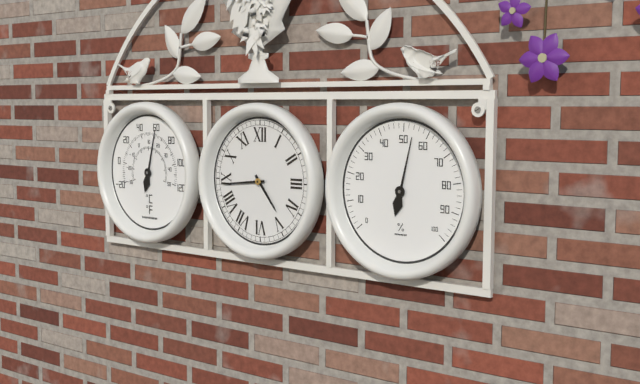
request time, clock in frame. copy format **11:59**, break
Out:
**4:44**
